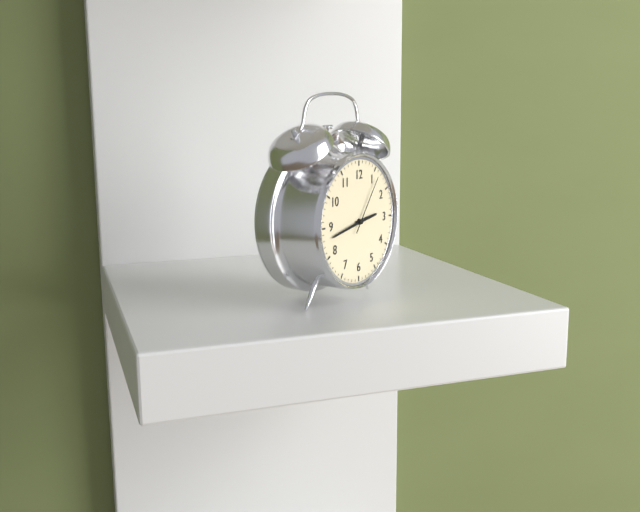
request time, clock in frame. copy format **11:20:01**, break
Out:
**2:43:06**
